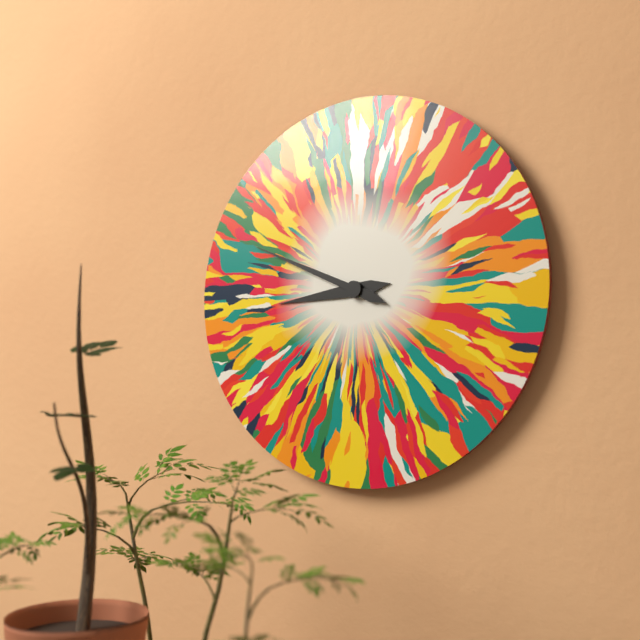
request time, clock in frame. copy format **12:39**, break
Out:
**8:49**
